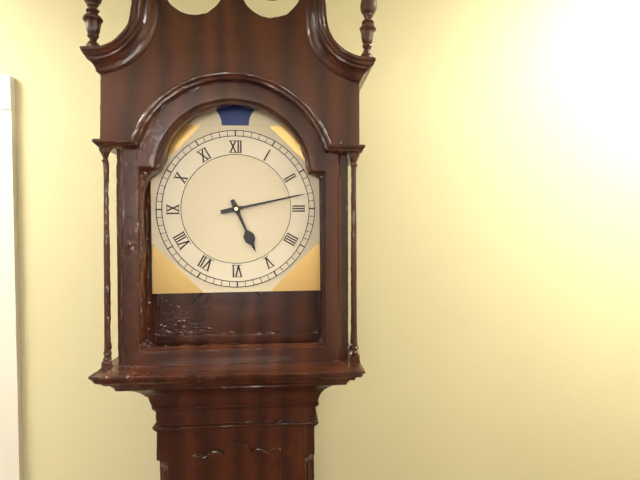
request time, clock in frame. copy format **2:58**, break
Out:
**5:13**
